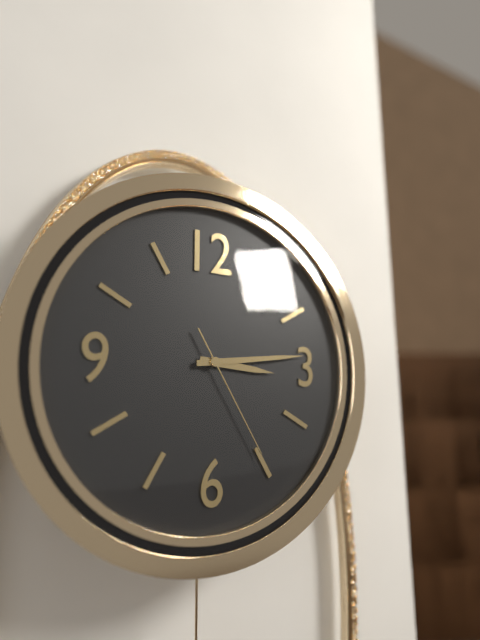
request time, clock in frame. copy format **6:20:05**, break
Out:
**3:14:25**
